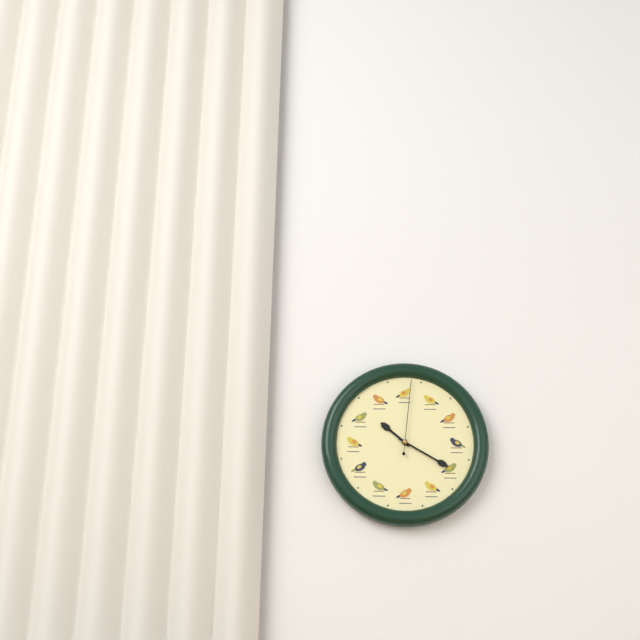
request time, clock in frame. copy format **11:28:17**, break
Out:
**10:20:01**
